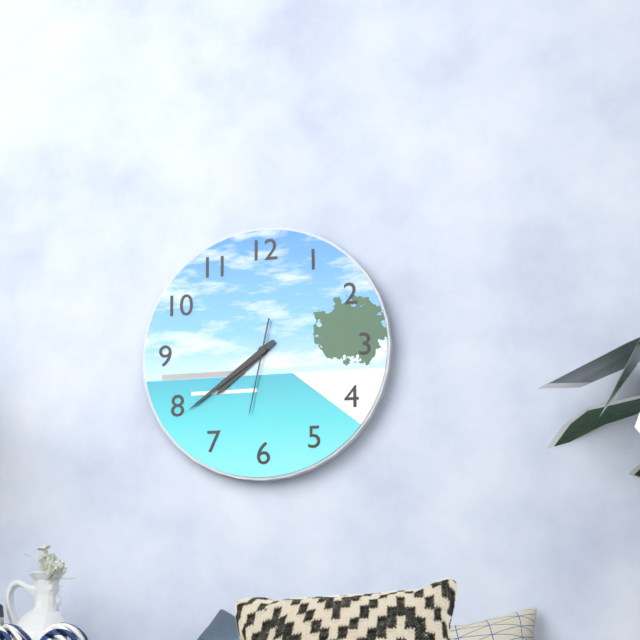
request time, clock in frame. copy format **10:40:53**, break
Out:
**7:39:32**
